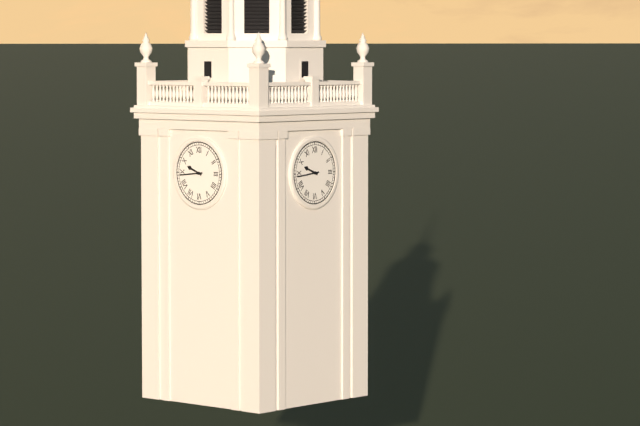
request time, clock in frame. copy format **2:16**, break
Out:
**9:44**
